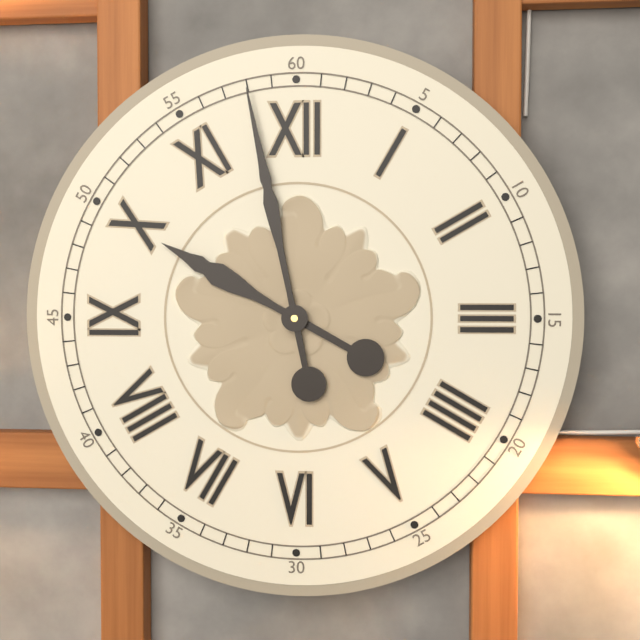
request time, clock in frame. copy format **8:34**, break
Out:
**9:58**
